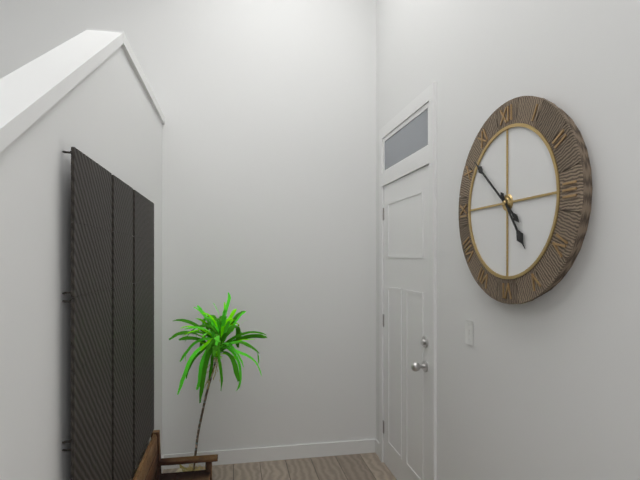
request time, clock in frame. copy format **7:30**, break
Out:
**4:52**
